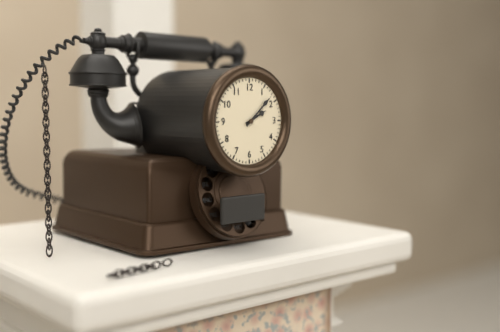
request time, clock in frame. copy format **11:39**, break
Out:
**2:08**
